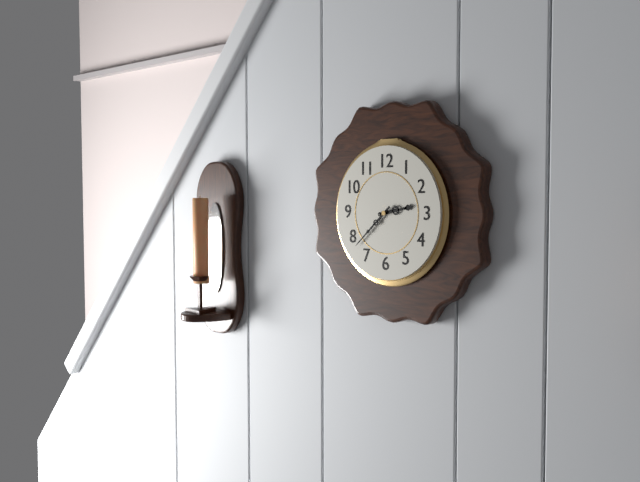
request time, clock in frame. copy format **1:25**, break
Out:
**2:38**
